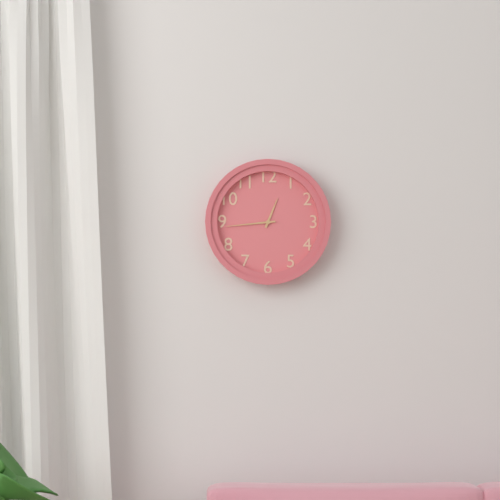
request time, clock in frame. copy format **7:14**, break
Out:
**12:44**
